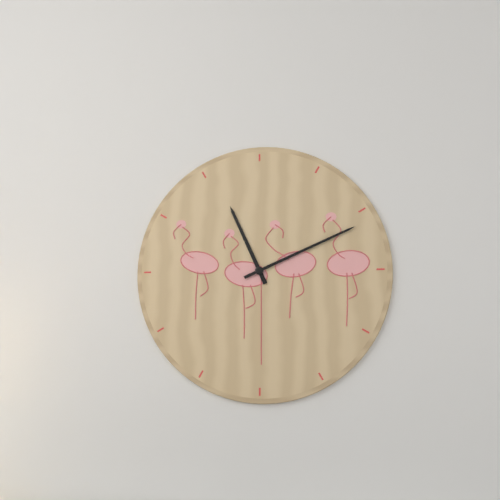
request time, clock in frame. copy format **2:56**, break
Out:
**11:11**
